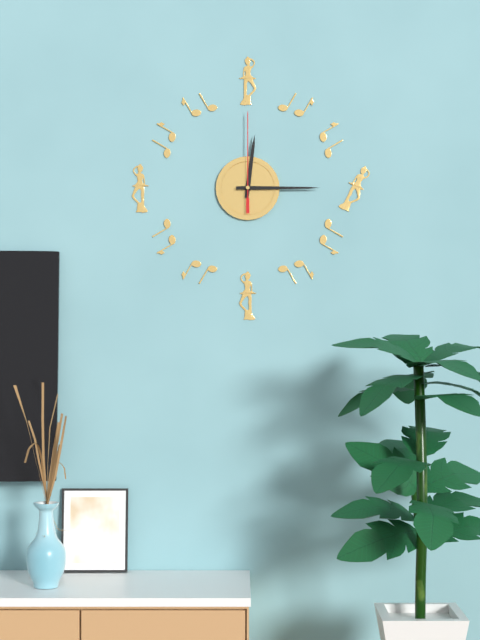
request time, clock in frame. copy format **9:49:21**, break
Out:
**12:15:00**
